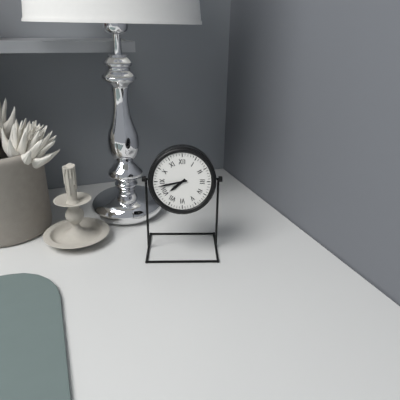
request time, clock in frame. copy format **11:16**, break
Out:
**7:43**
